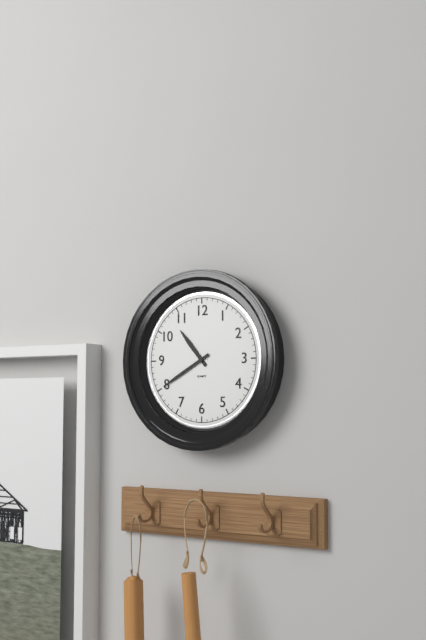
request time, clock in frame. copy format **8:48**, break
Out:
**10:40**
